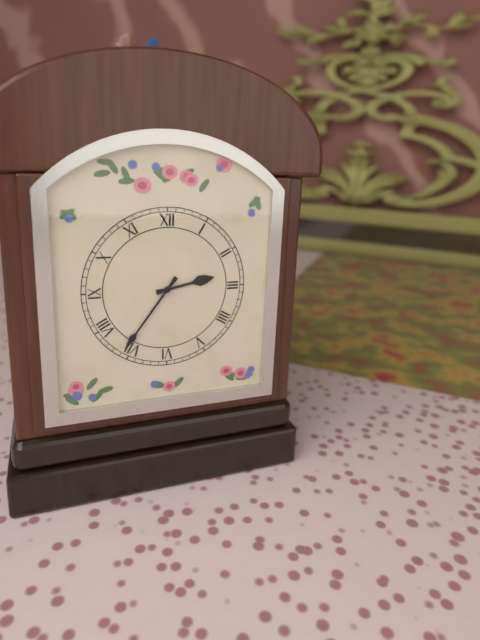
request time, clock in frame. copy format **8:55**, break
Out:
**2:36**
